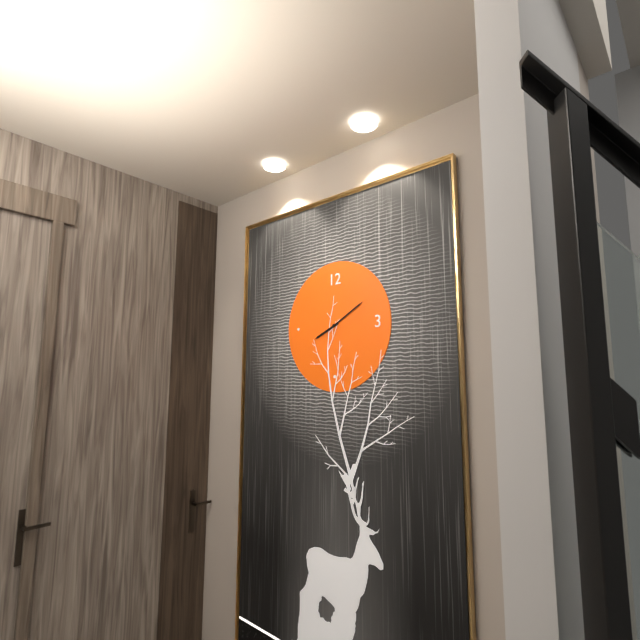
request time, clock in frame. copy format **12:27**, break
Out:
**8:10**
